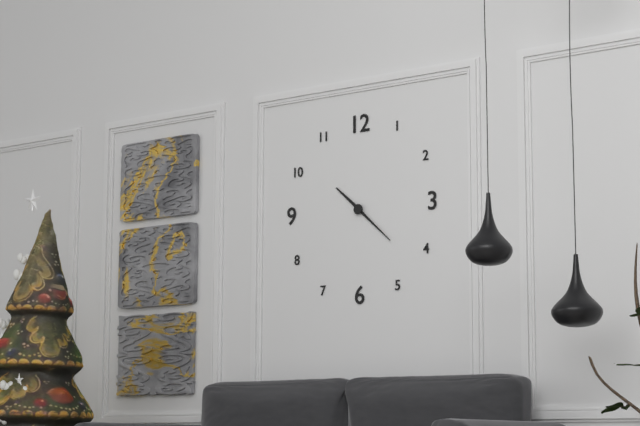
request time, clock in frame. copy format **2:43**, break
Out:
**10:22**
